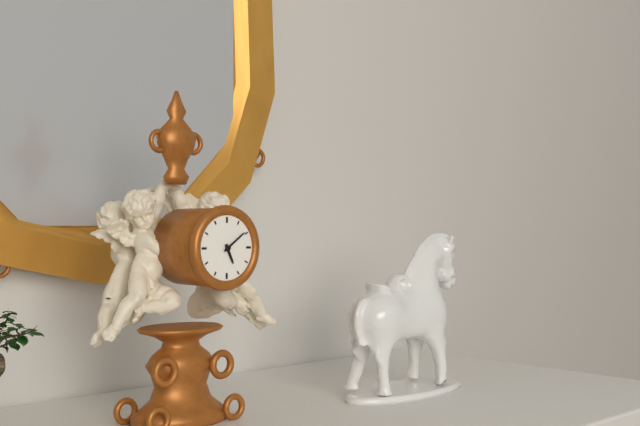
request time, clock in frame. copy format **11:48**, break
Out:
**5:09**
